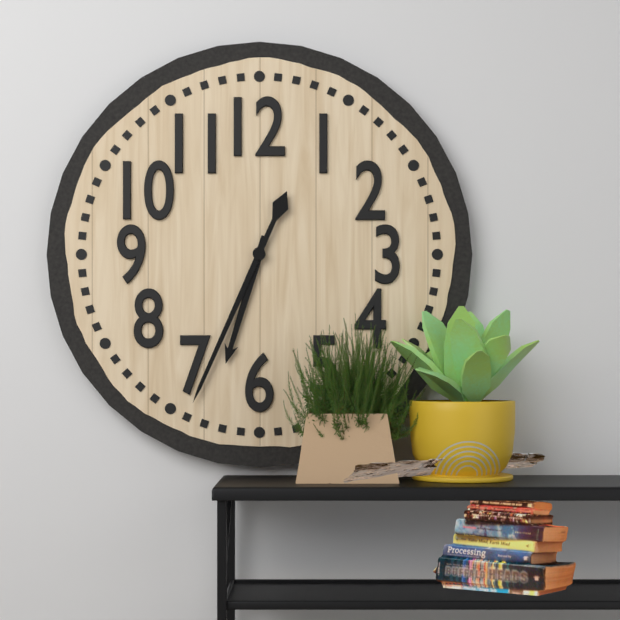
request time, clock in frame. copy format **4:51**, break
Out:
**6:34**
